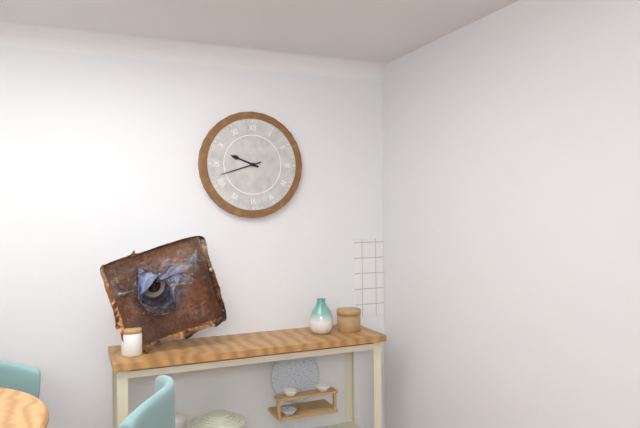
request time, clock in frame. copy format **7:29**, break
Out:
**9:42**
